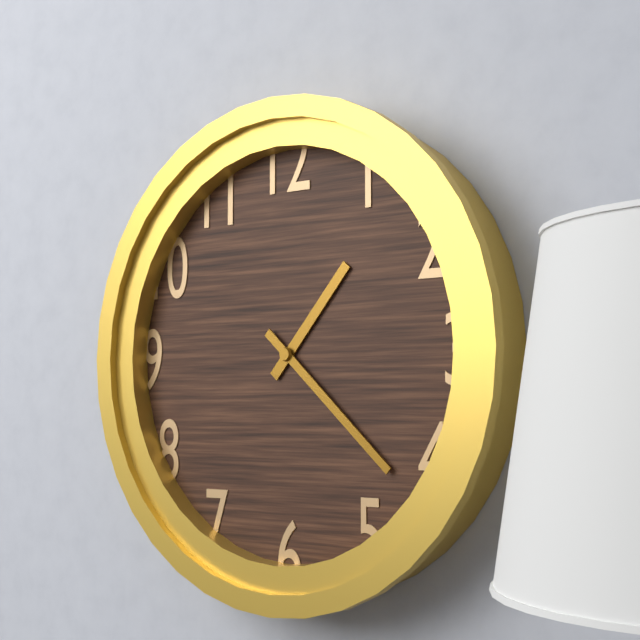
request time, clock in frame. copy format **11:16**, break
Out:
**1:22**
